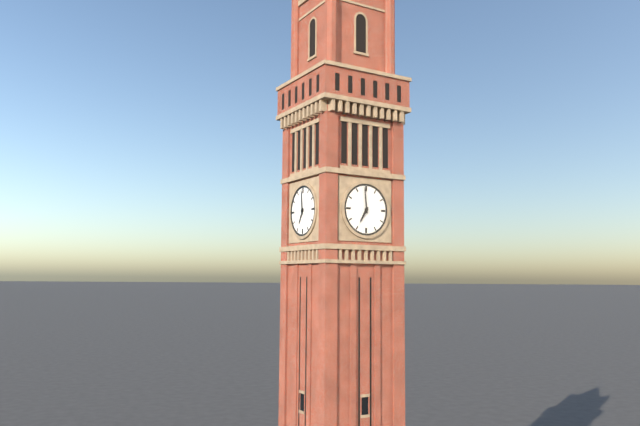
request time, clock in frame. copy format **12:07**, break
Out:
**6:59**
